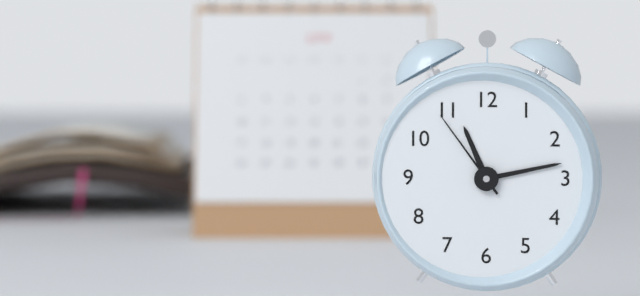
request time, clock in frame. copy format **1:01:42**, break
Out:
**11:13:54**
